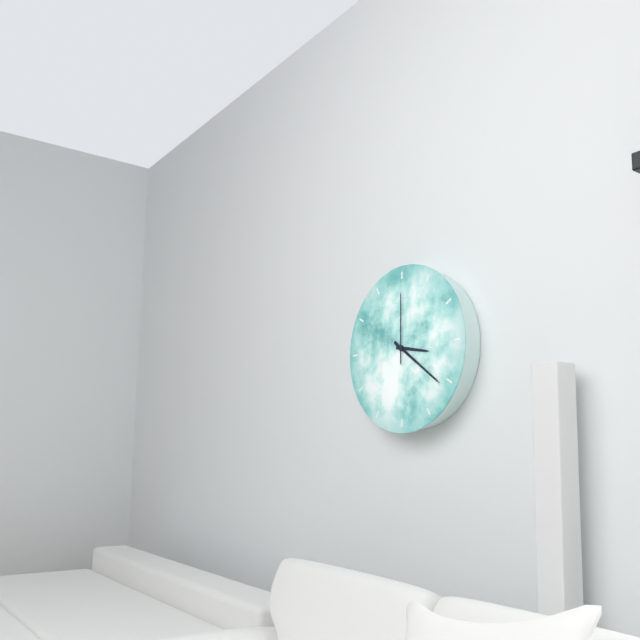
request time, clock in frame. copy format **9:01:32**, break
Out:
**3:21:00**
